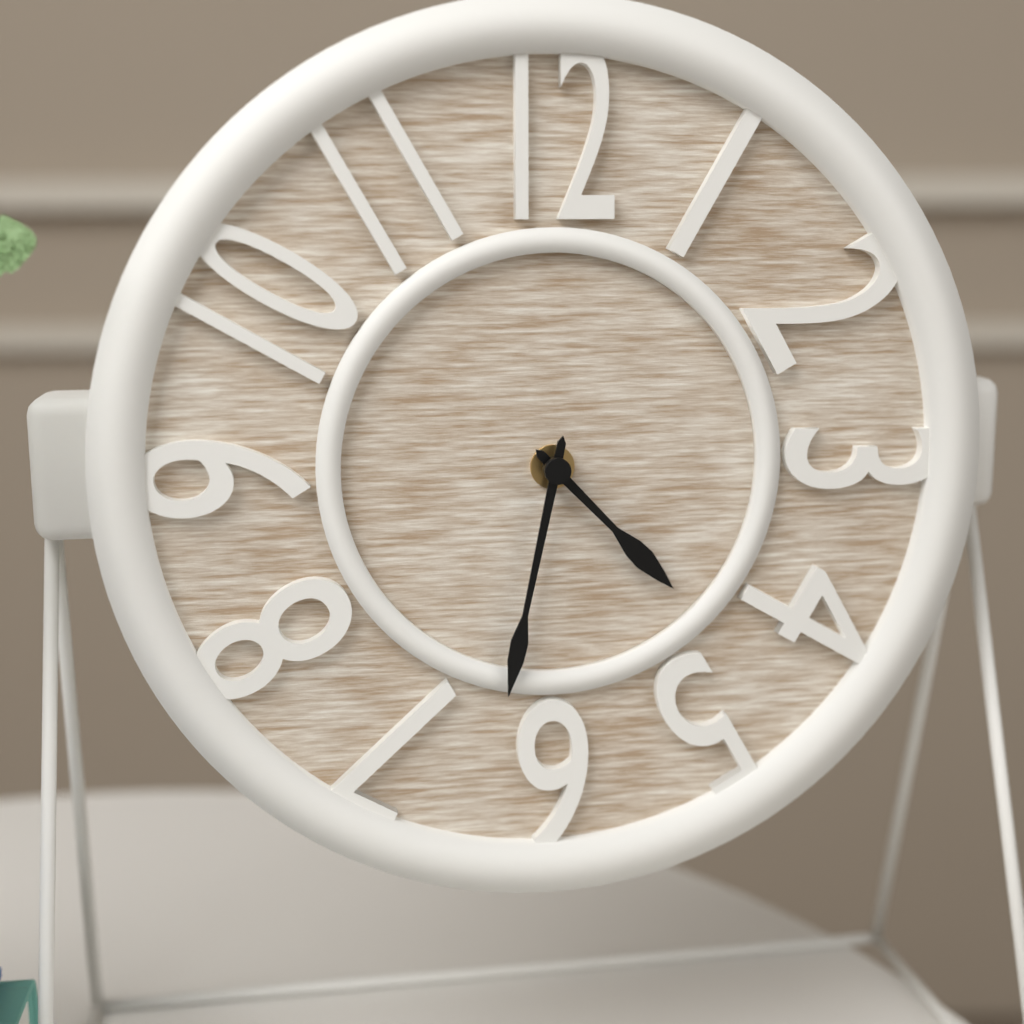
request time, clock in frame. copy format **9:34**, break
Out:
**4:32**
